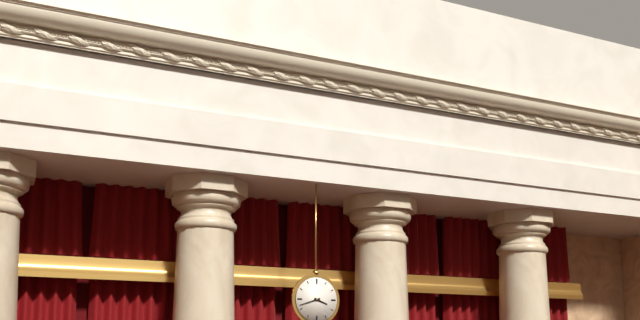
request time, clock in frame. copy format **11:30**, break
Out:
**3:42**
